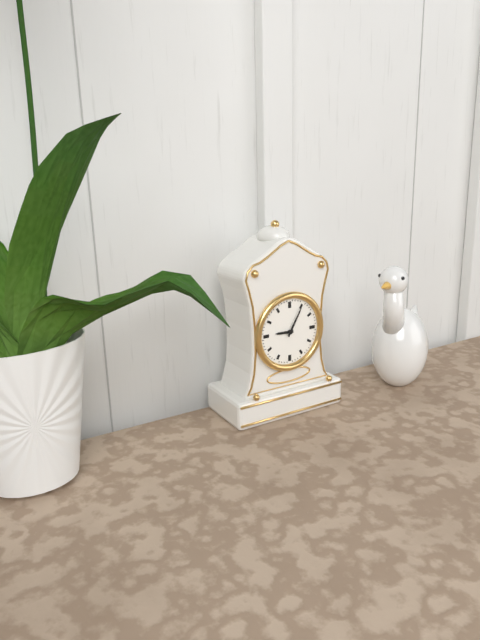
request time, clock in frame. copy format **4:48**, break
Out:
**9:05**
